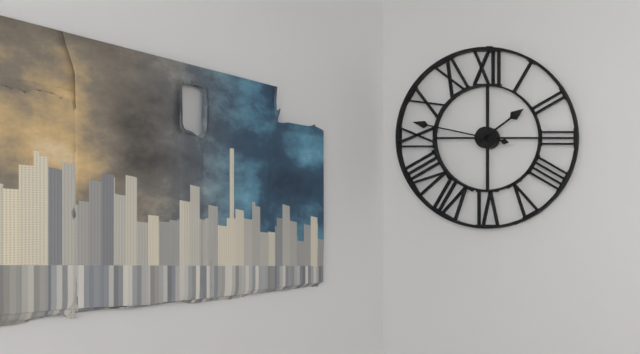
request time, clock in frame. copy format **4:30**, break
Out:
**1:47**
